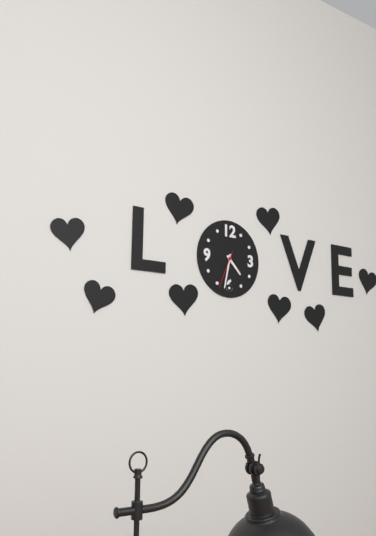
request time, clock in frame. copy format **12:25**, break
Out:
**4:32**
